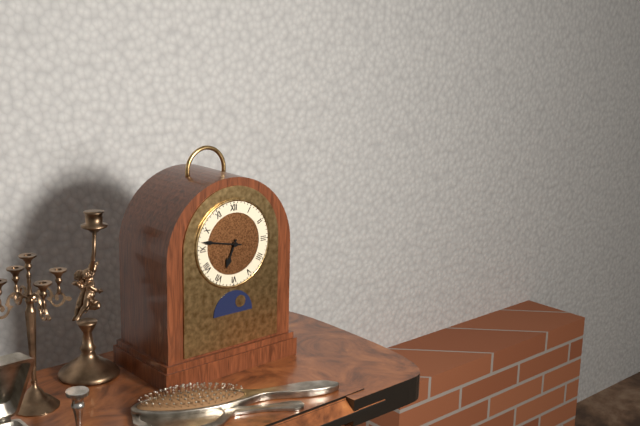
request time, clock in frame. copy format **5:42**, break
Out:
**6:47**
